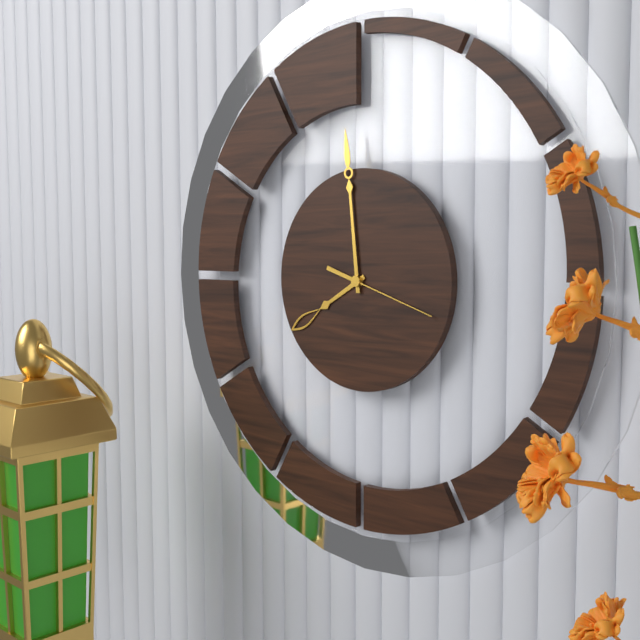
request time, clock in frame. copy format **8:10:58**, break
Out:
**7:59:18**
